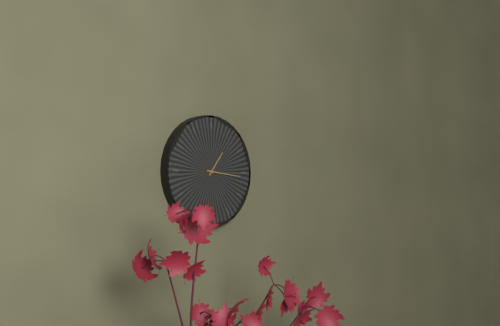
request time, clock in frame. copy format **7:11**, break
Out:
**1:16**
